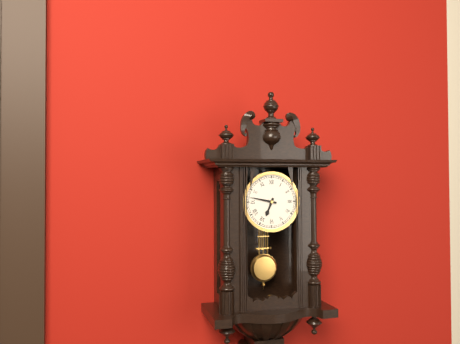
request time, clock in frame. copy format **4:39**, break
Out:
**6:47**
